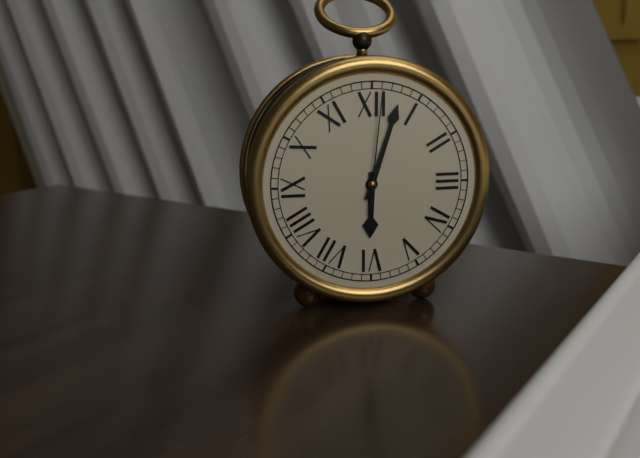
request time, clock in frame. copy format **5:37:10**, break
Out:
**6:03:01**
